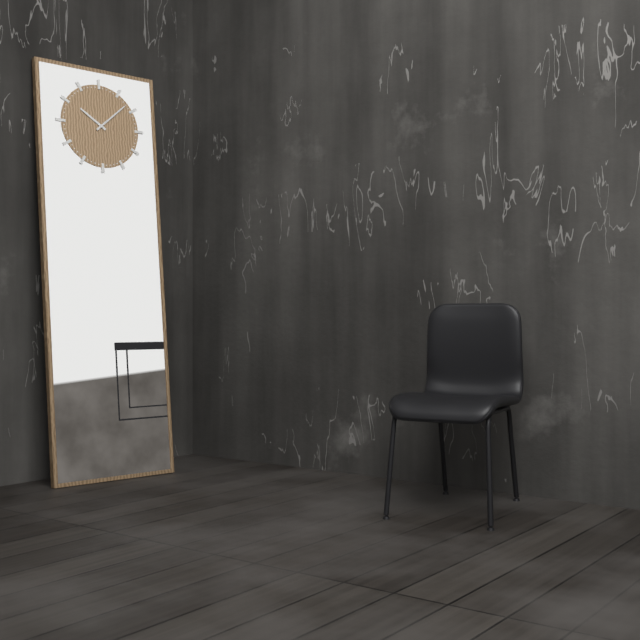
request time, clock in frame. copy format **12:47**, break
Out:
**10:08**
